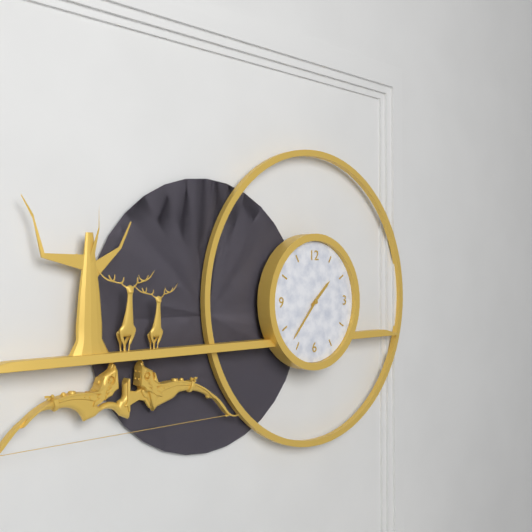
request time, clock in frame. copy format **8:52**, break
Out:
**1:37**
